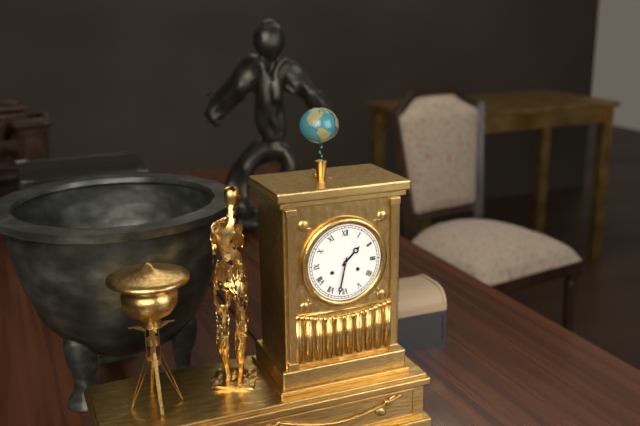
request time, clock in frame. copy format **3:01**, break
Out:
**1:32**
